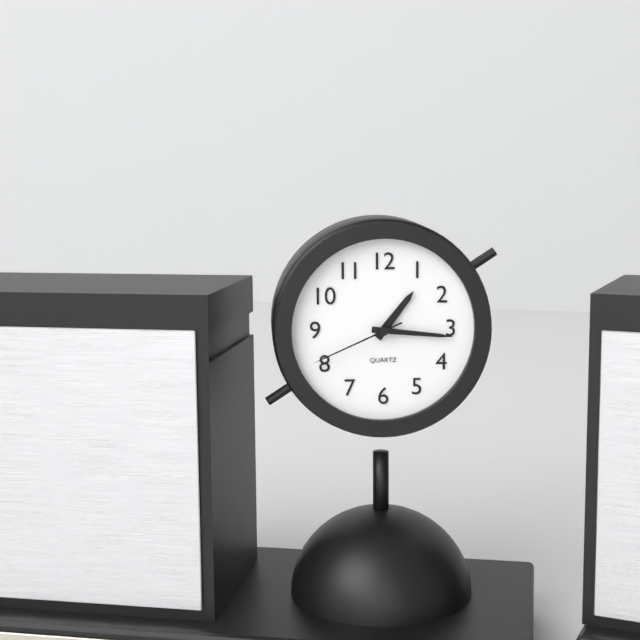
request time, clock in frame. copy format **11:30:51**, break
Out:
**1:16:41**
